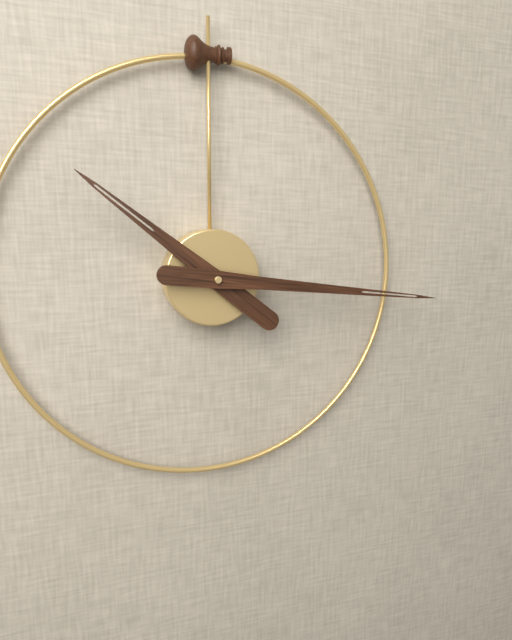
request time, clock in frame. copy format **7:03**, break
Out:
**10:16**
